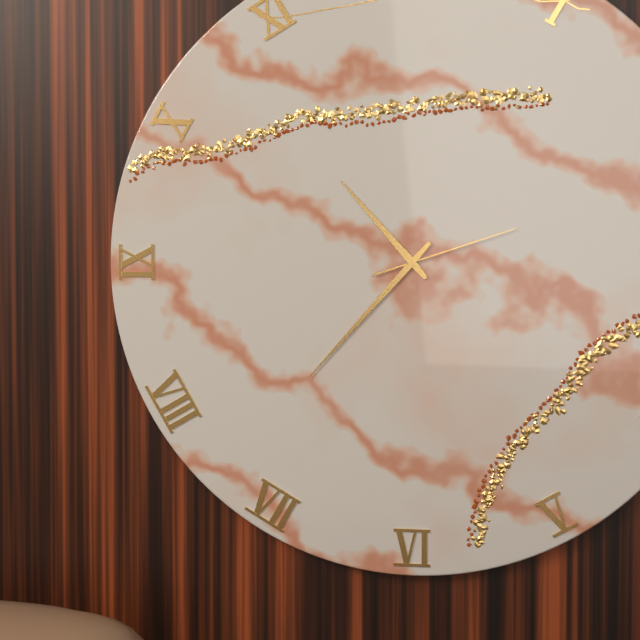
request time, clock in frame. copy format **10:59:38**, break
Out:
**10:37:12**
